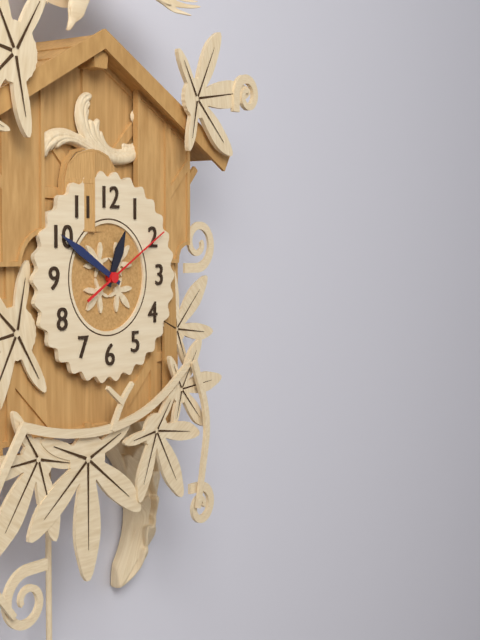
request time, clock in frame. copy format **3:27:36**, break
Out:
**12:50:10**
